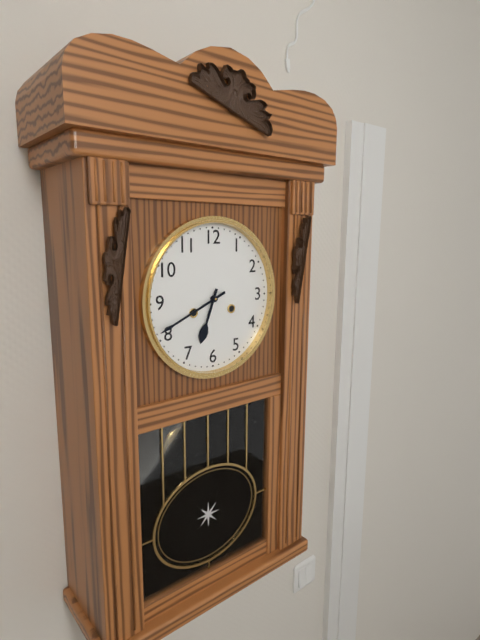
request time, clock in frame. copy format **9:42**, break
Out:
**6:41**
